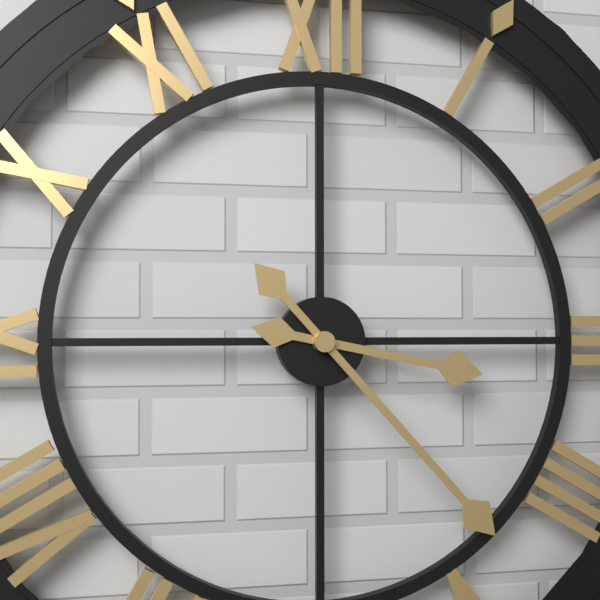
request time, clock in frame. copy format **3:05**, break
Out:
**3:23**
